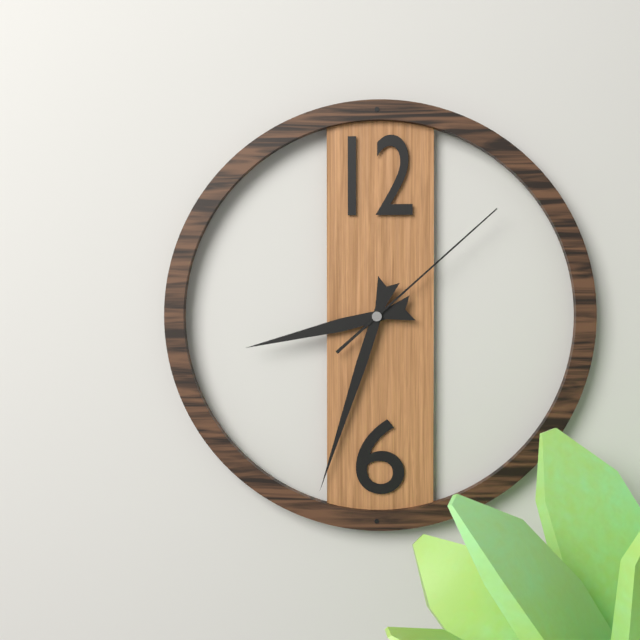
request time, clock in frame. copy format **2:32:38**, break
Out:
**8:33:08**
